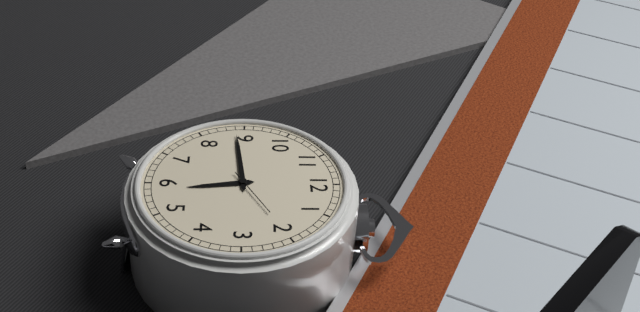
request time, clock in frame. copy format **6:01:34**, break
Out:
**5:44:10**
